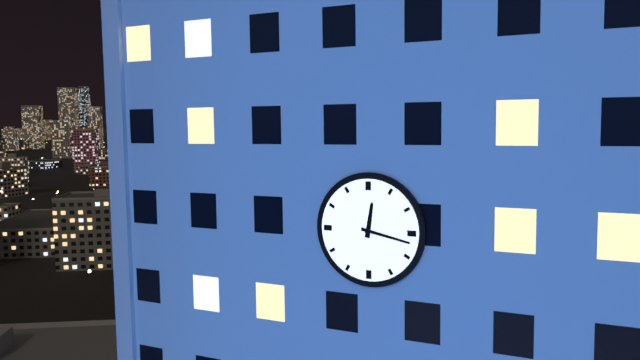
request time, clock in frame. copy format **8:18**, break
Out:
**12:17**
